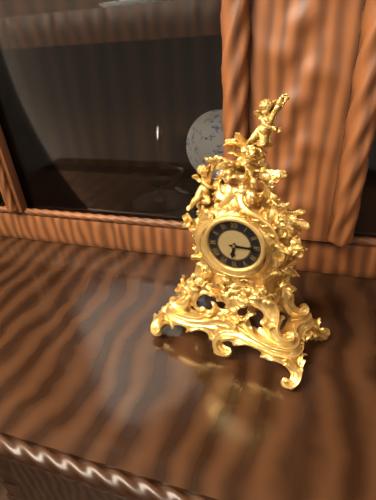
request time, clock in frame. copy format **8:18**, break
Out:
**6:15**
